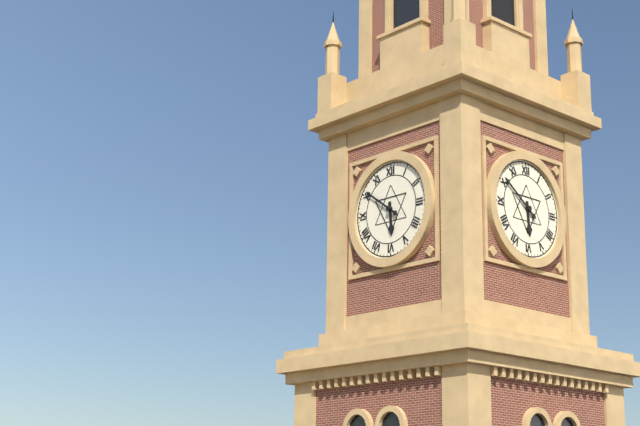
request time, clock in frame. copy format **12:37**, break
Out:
**5:51**
